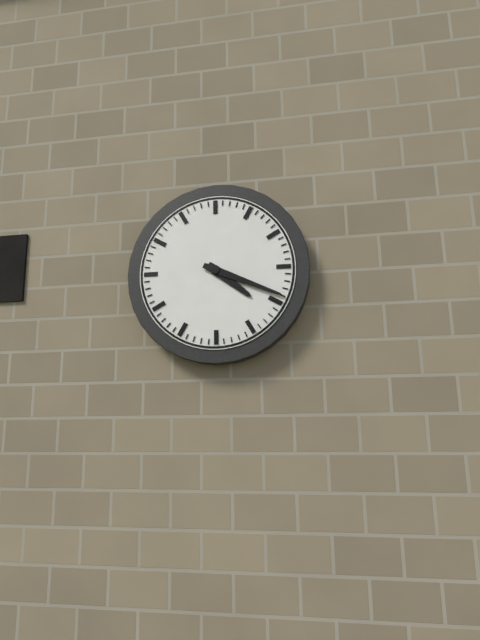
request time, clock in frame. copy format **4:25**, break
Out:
**4:19**
